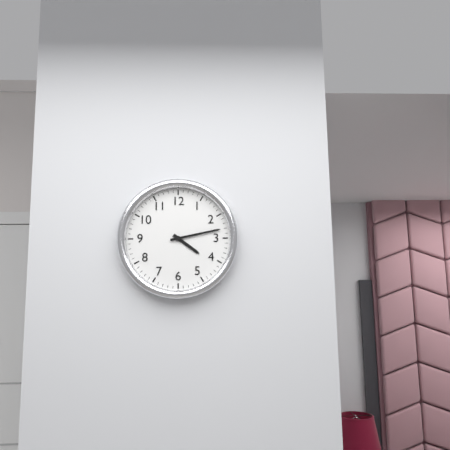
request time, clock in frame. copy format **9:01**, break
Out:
**4:13**
